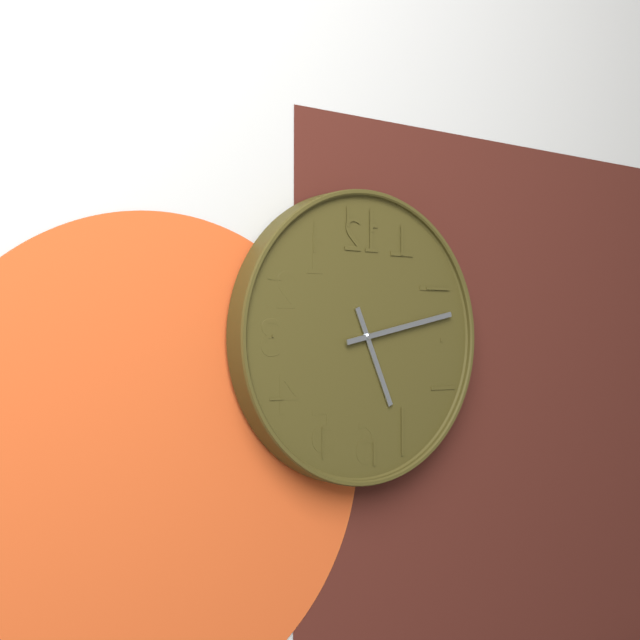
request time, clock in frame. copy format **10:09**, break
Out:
**5:13**
